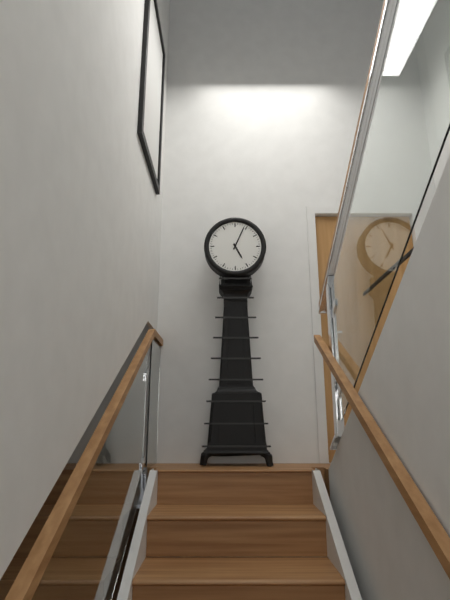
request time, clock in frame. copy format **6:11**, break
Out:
**5:04**
